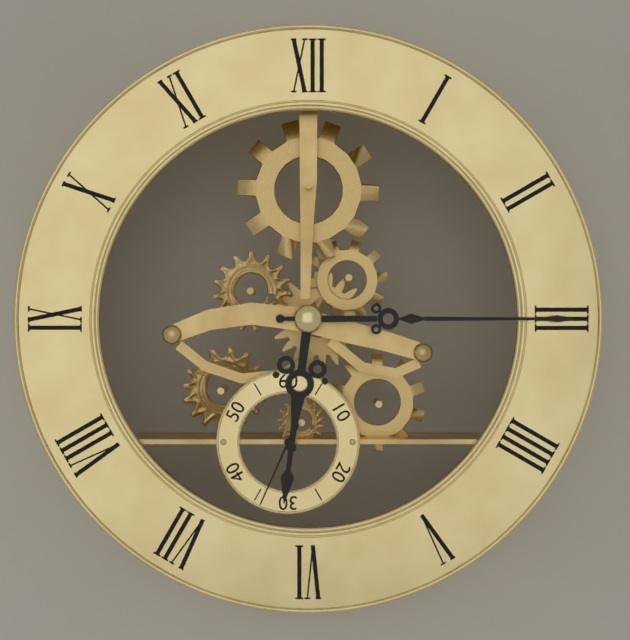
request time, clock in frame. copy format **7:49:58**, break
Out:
**6:15:34**
